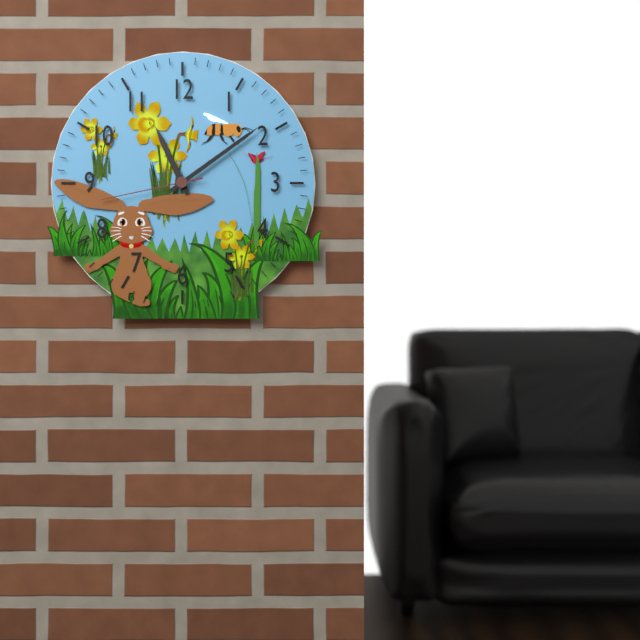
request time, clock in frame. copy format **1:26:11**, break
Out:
**11:09:43**
